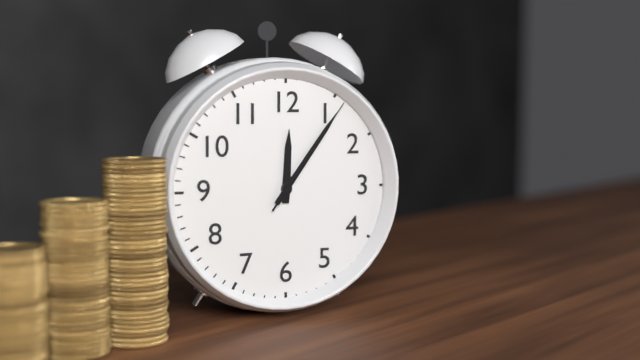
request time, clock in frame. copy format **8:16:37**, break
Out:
**12:06:06**
